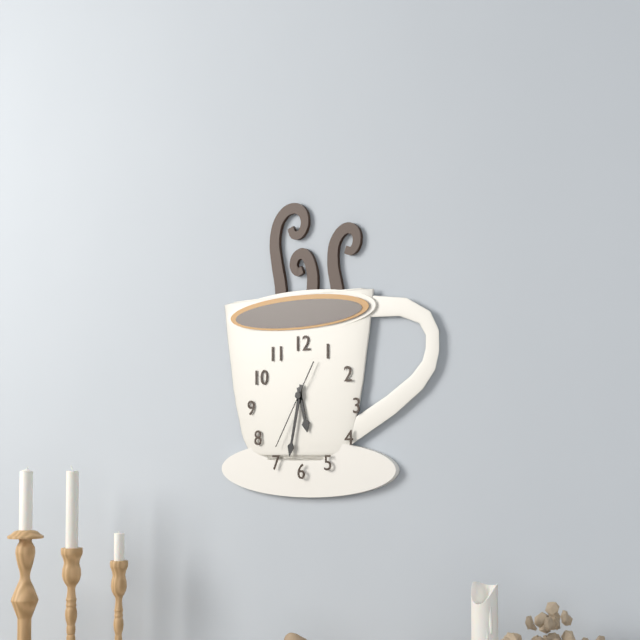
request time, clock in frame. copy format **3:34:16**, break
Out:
**5:32:35**
